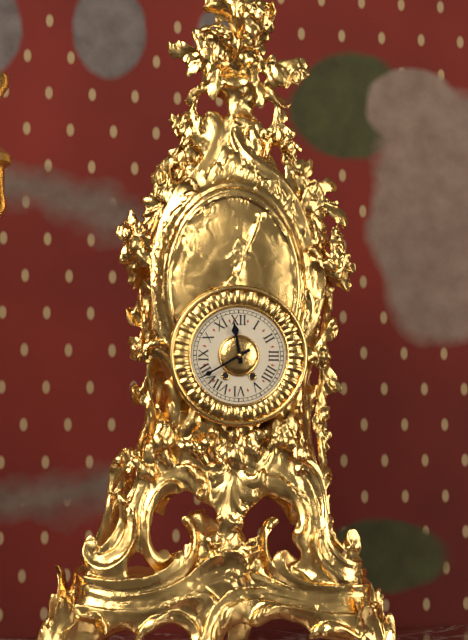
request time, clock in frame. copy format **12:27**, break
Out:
**11:40**
